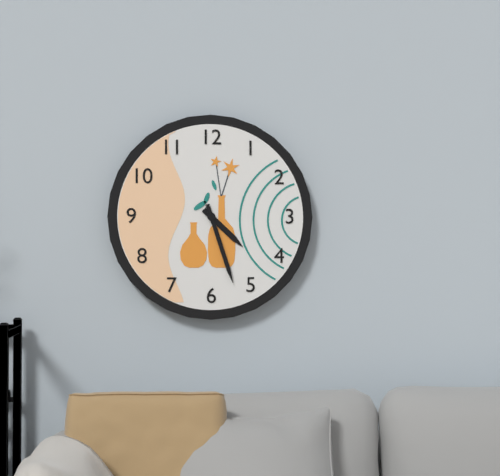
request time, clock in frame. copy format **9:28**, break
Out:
**4:27**
